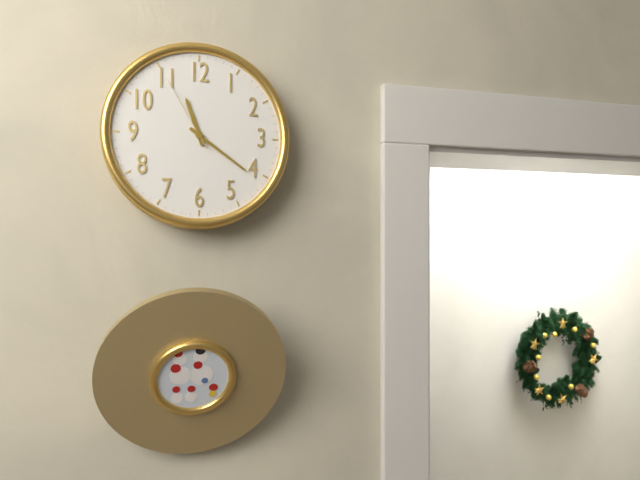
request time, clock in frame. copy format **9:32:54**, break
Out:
**11:21:55**
